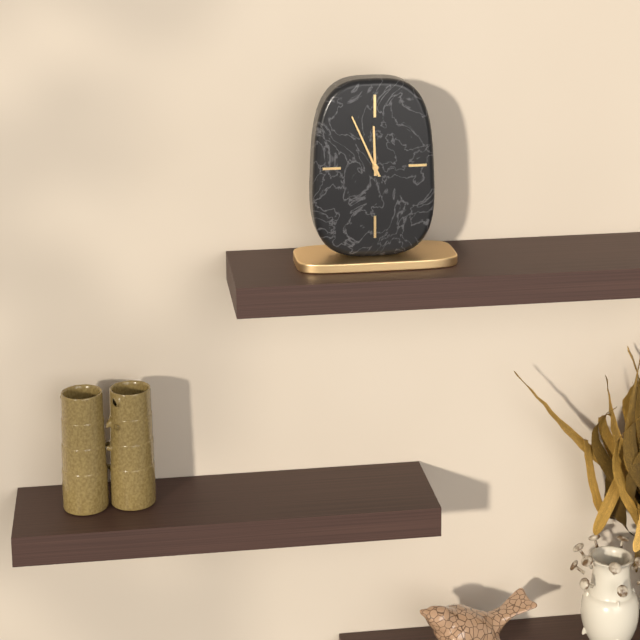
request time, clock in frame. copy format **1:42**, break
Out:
**11:56**
